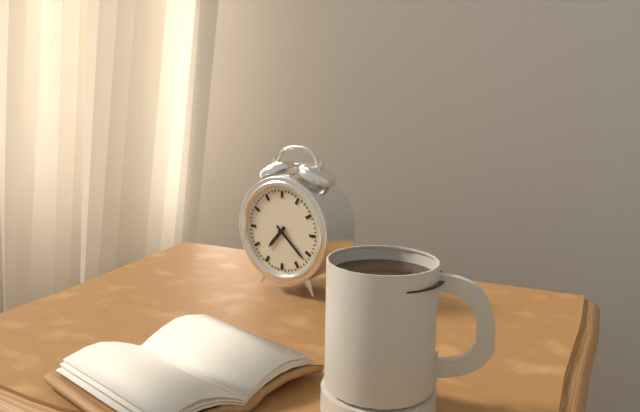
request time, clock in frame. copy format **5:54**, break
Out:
**7:22**
